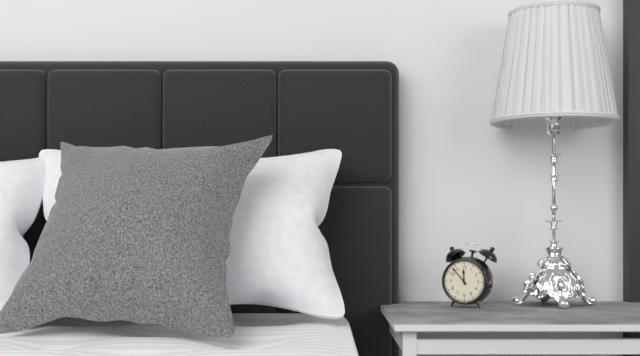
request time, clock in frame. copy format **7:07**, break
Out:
**11:53**
